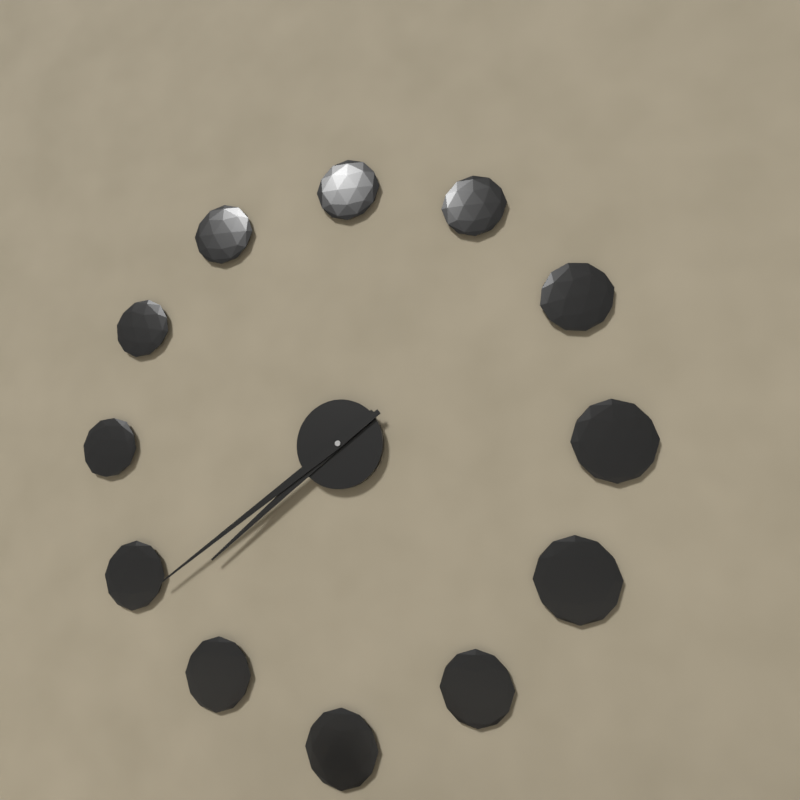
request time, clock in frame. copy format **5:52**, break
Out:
**7:39**
